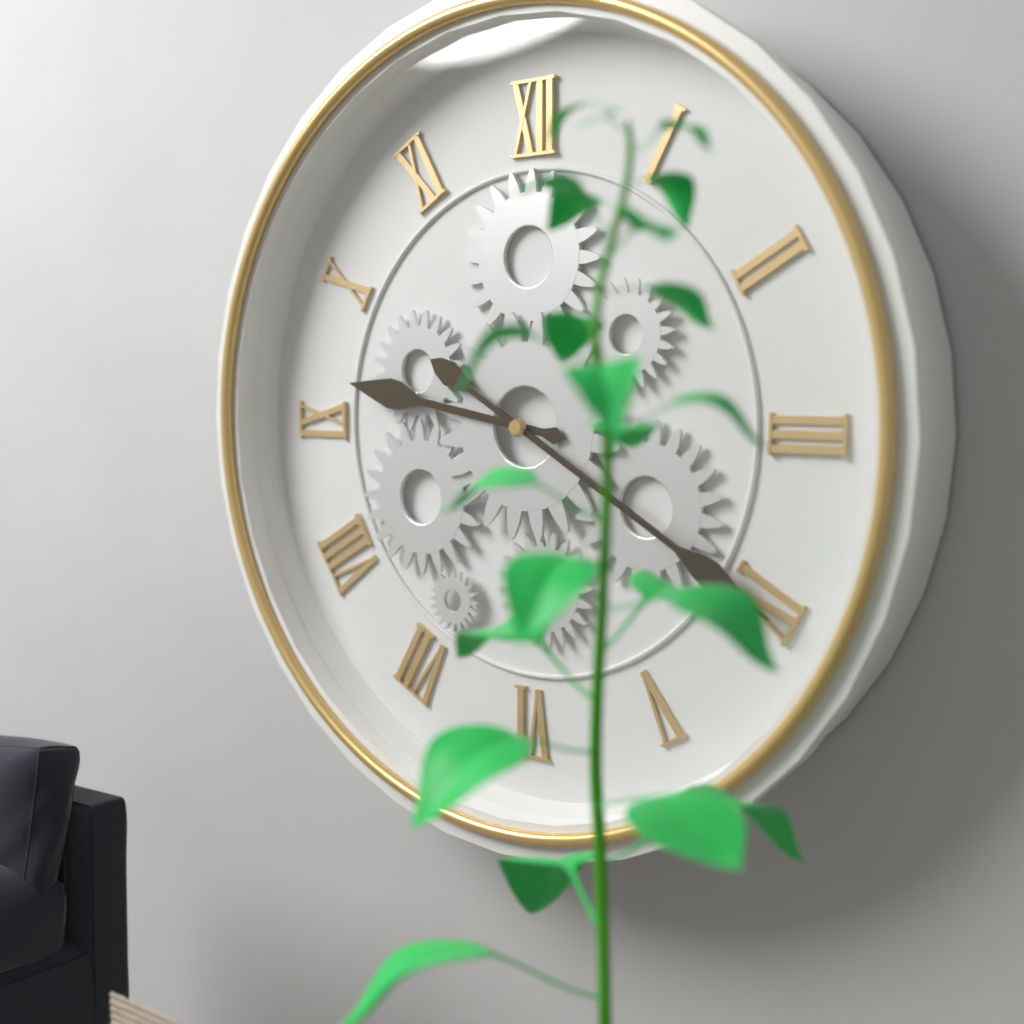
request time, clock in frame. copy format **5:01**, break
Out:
**9:20**
